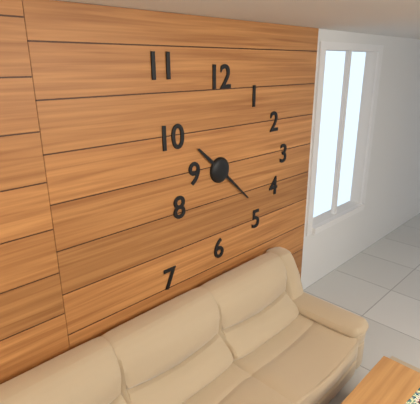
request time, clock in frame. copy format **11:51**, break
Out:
**10:22**
